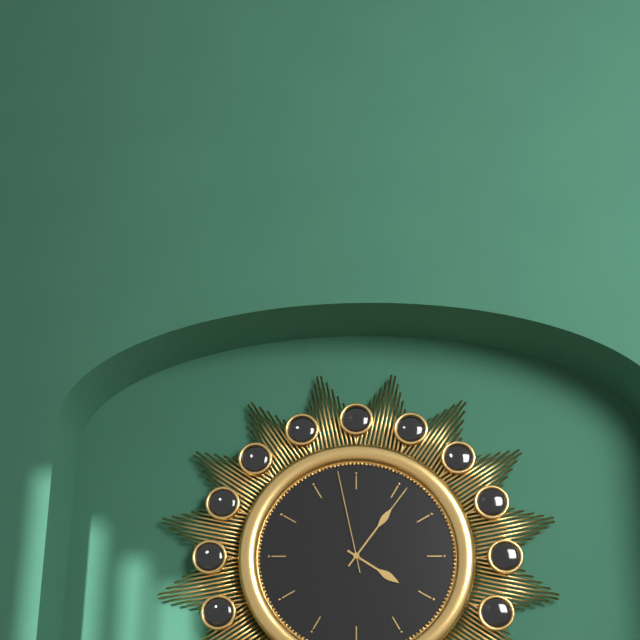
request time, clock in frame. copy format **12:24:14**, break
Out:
**4:06:58**
